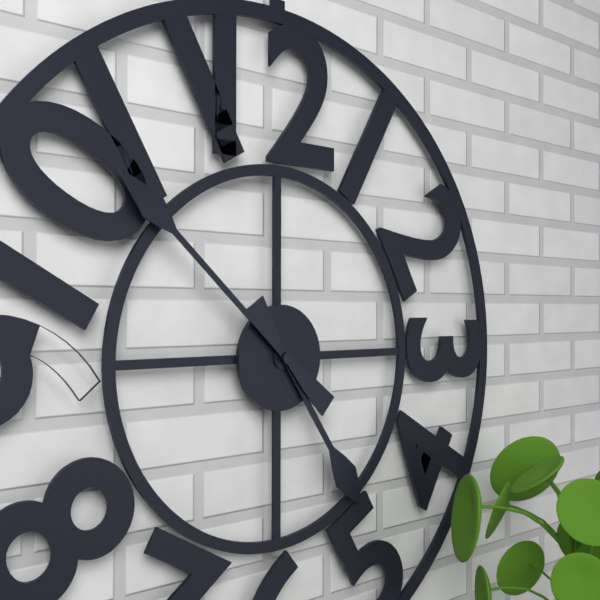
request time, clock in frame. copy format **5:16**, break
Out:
**4:52**
